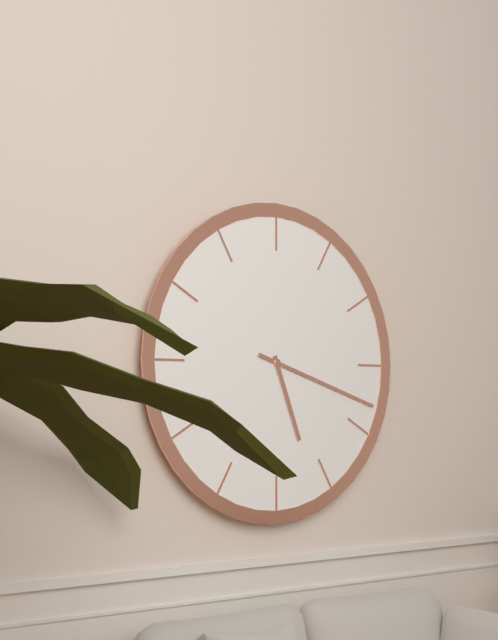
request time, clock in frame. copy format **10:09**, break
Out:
**5:18**
